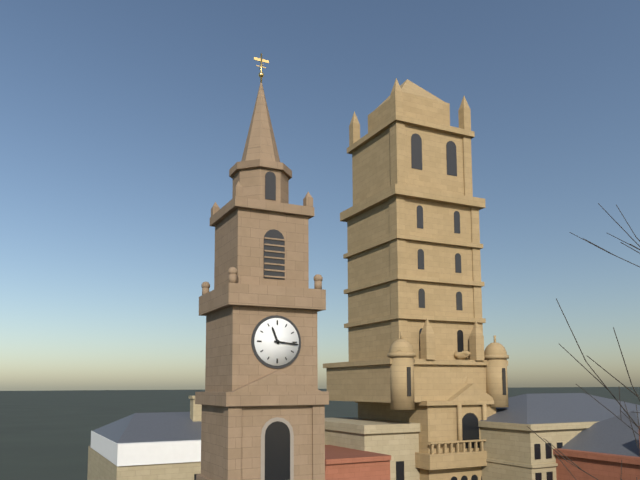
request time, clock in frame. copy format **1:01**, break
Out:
**11:16**
